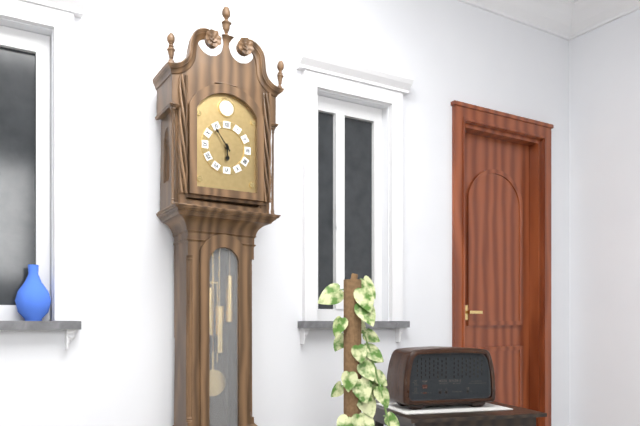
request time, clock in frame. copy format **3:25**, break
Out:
**5:54**
